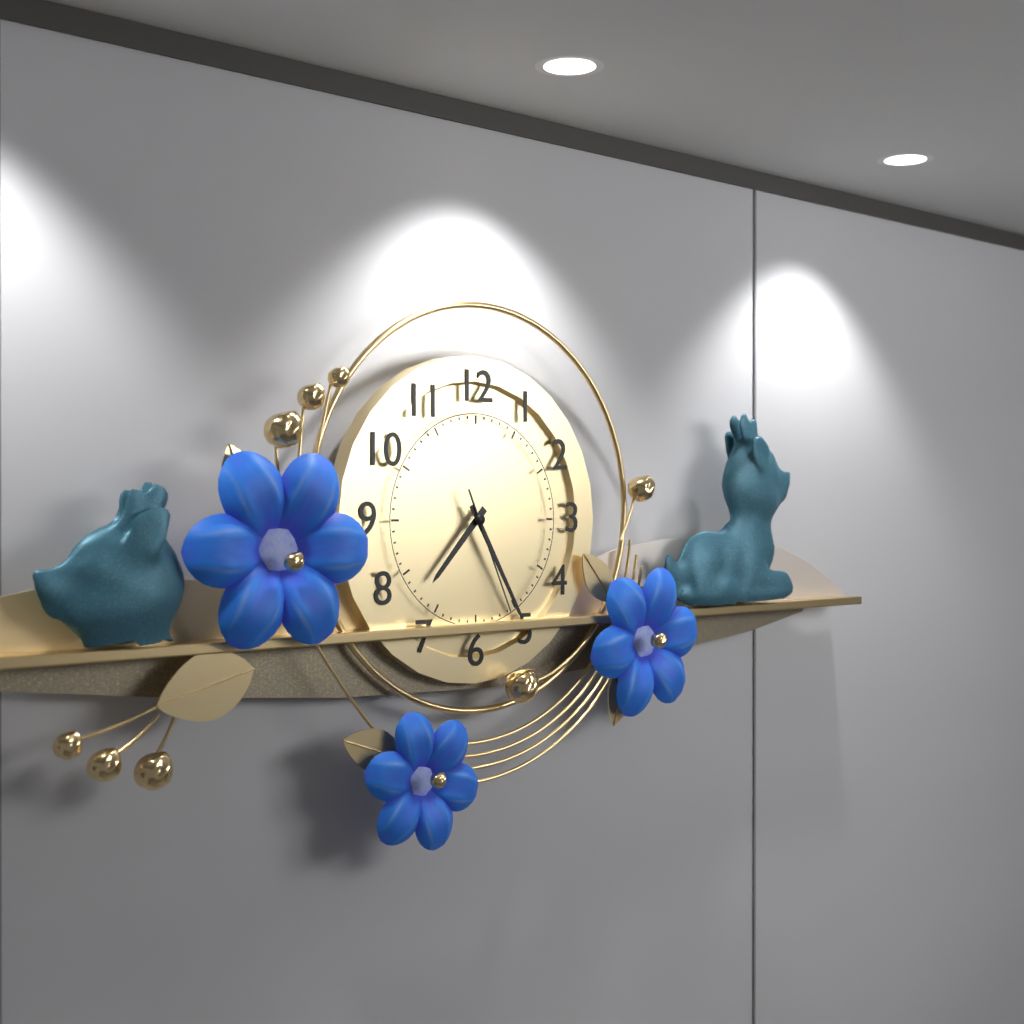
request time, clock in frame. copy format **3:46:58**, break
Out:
**7:25:26**
